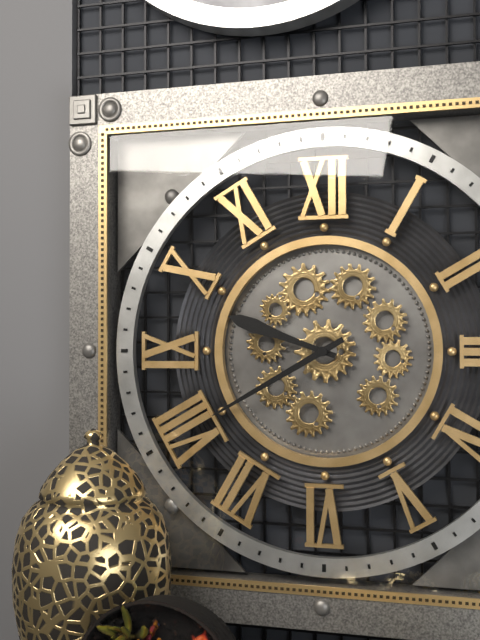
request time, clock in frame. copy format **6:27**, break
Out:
**9:40**
